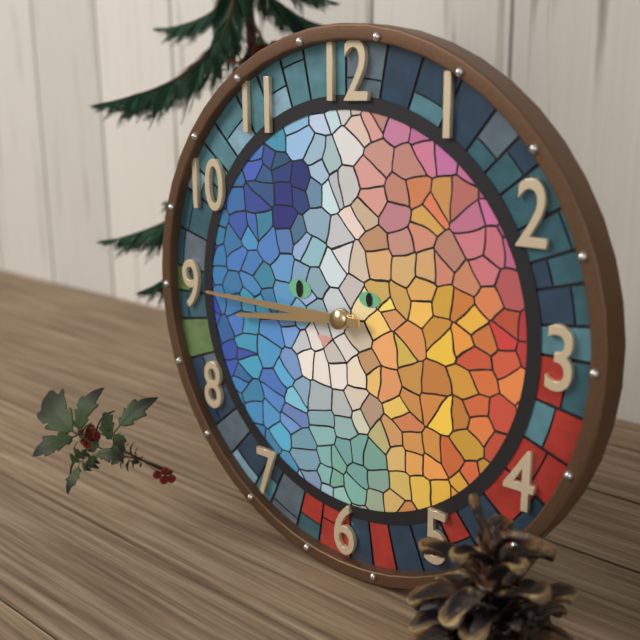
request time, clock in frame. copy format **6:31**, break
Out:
**8:45**
